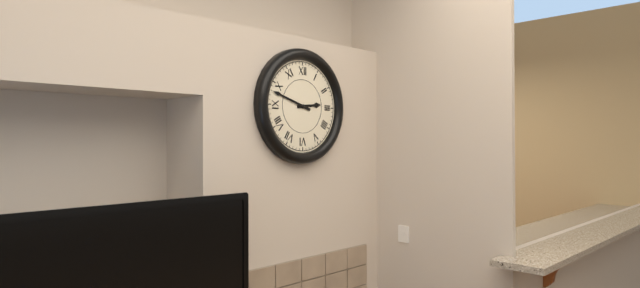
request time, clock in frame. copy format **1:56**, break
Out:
**2:48**
